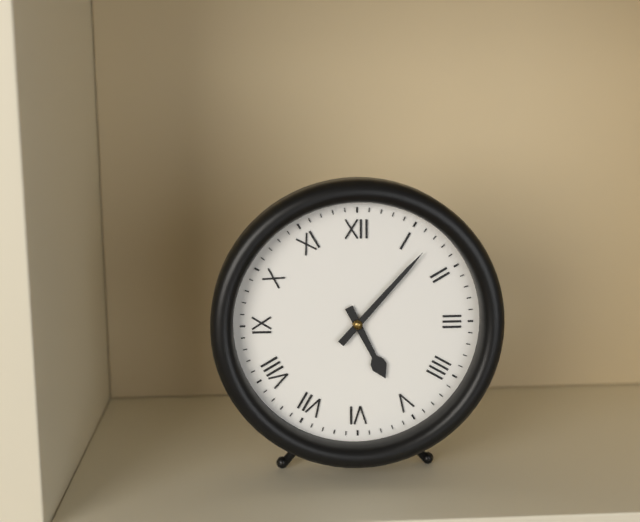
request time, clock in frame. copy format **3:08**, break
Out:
**5:07**
